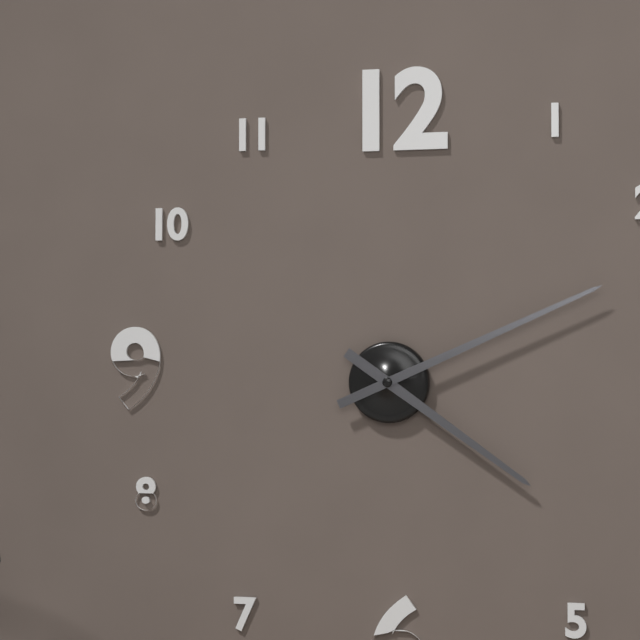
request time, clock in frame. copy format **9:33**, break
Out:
**4:11**
